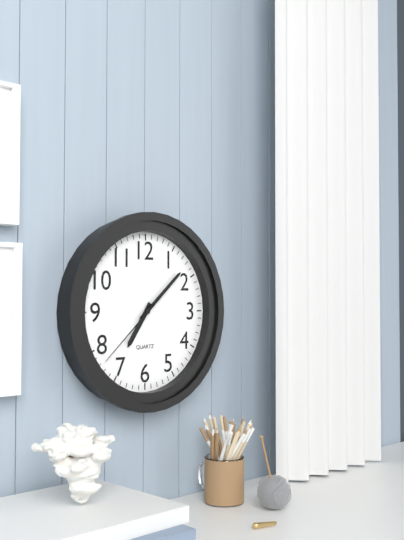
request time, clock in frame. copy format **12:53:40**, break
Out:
**7:08:38**
